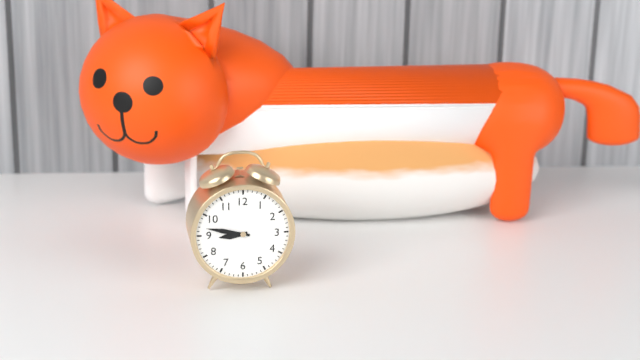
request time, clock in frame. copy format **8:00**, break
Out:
**8:47**
